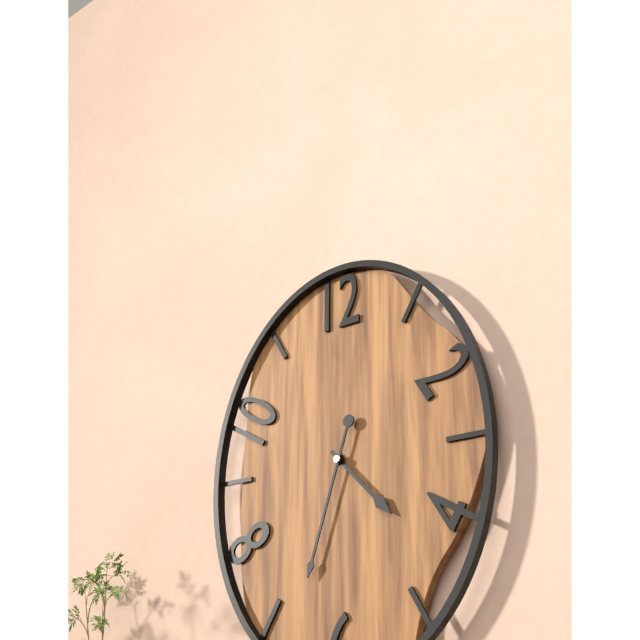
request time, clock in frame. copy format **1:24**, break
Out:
**4:33**
